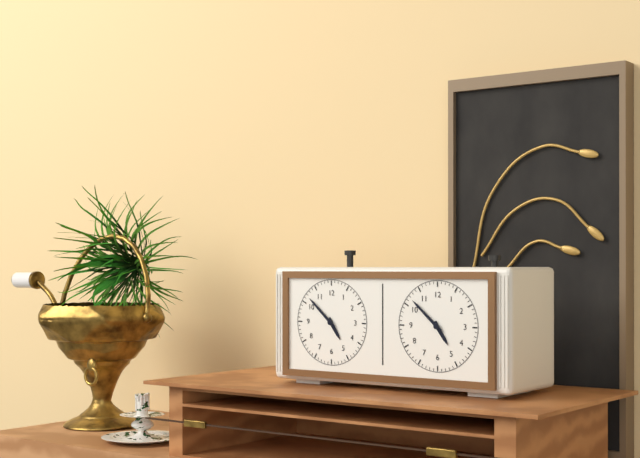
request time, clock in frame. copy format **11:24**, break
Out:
**4:52**
